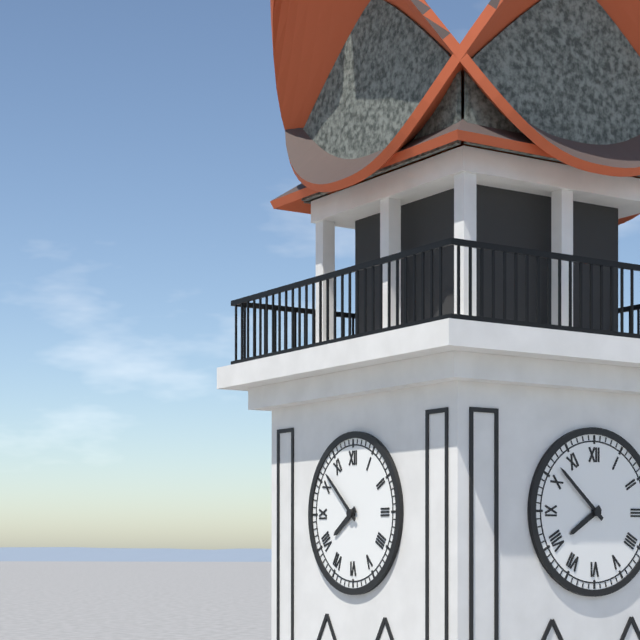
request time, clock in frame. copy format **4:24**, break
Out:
**7:52**
